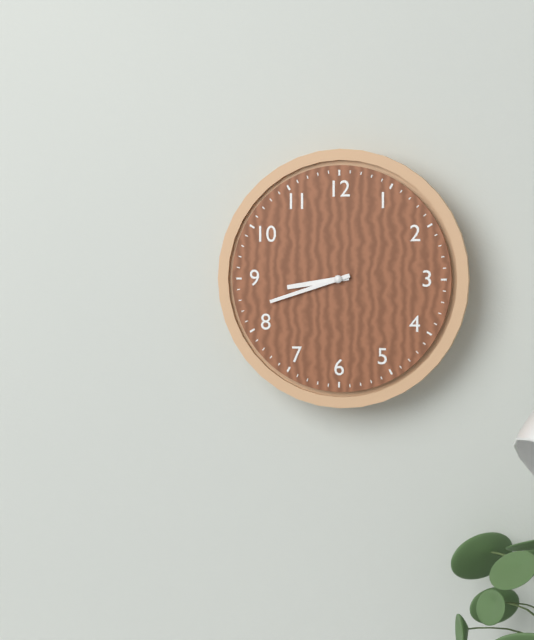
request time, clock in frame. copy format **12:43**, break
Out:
**8:42**
